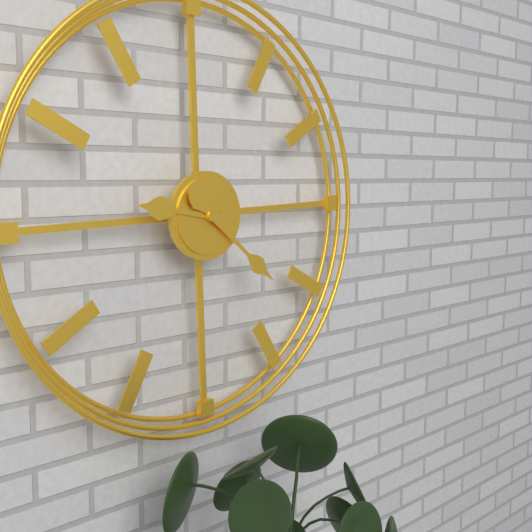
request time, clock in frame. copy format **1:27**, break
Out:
**9:22**
